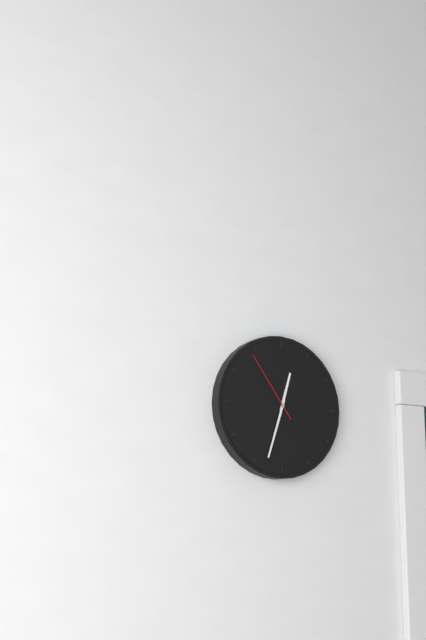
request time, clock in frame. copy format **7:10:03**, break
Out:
**12:33:54**
